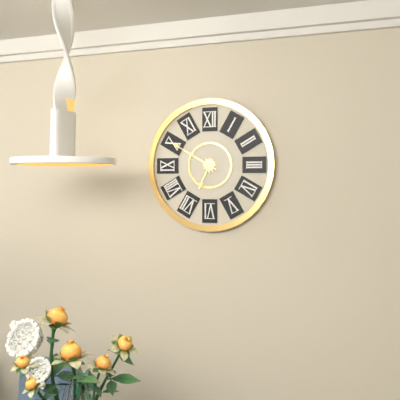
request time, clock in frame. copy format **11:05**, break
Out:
**6:50**
